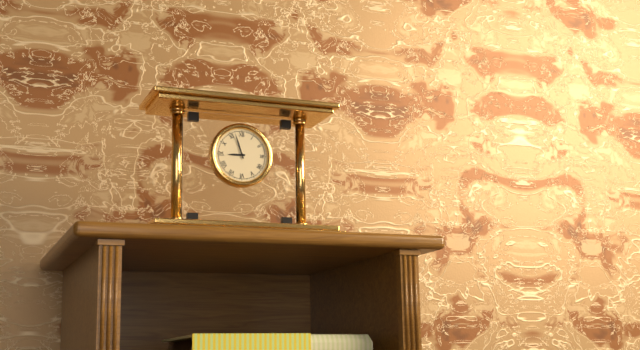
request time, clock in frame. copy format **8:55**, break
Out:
**8:57**
